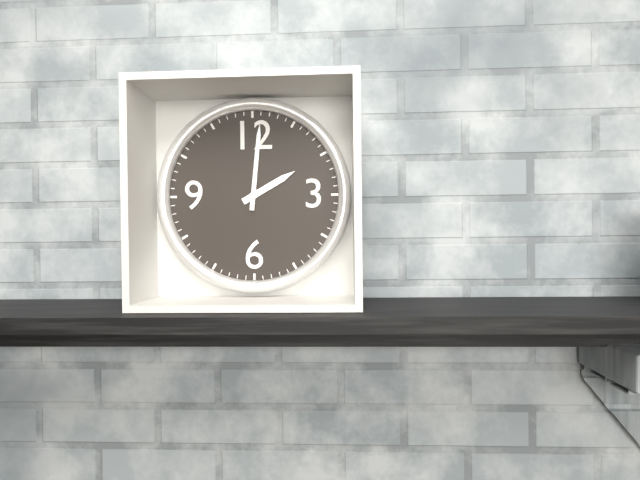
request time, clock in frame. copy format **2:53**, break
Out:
**2:01**
